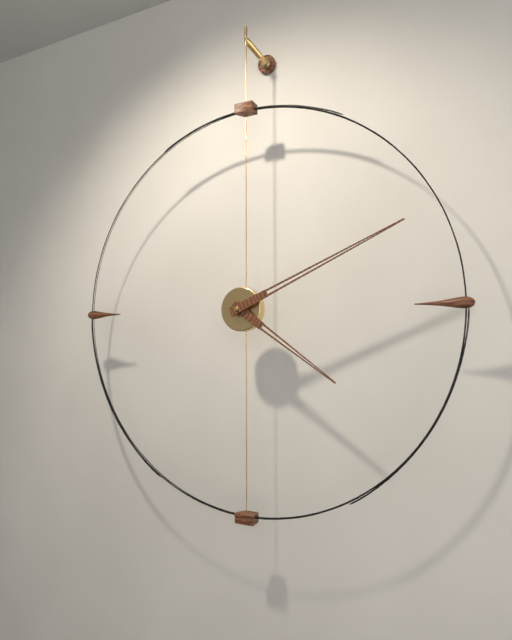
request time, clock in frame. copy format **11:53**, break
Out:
**4:11**
